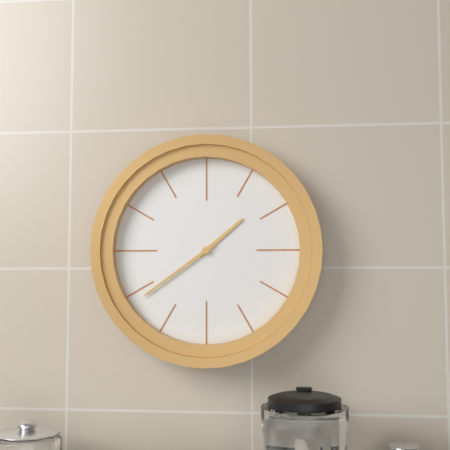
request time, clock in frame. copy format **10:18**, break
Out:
**1:39**
